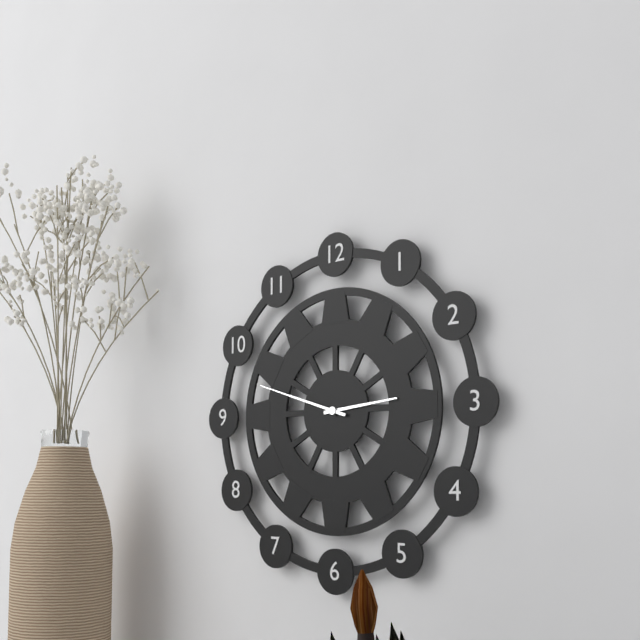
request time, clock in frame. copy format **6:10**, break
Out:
**2:48**
